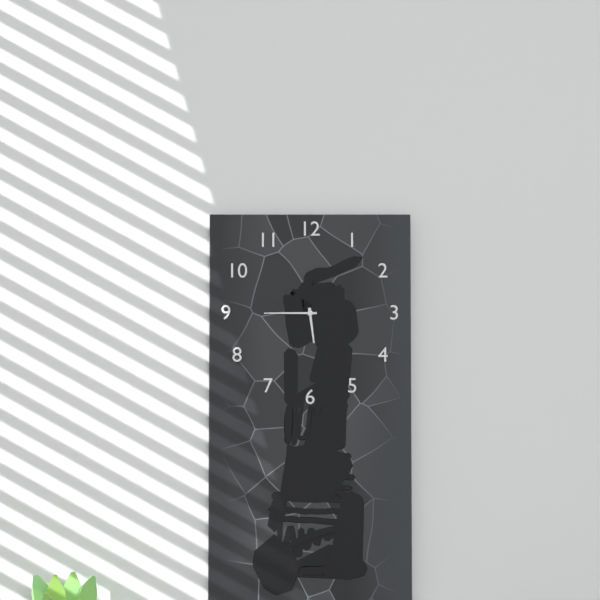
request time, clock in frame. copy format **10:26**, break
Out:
**5:45**
